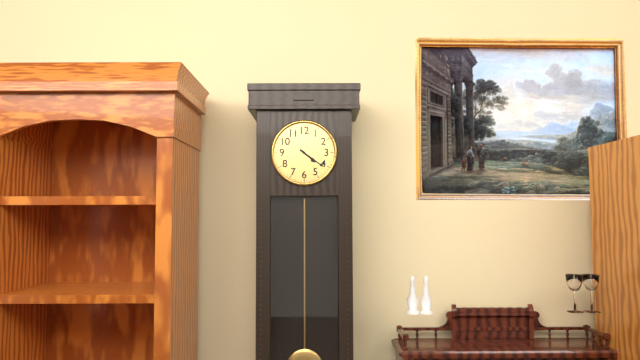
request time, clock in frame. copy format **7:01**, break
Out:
**4:21**
